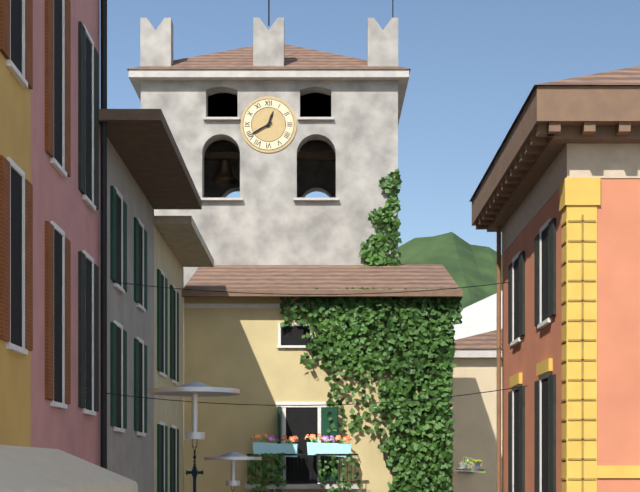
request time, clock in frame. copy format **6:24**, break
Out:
**12:40**
